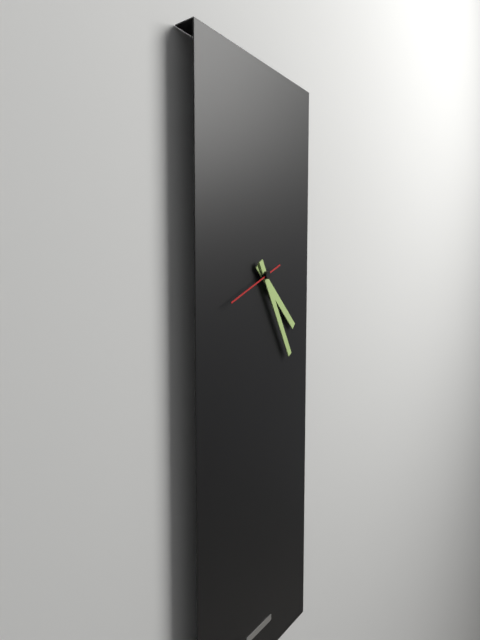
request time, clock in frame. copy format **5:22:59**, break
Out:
**4:25:41**
